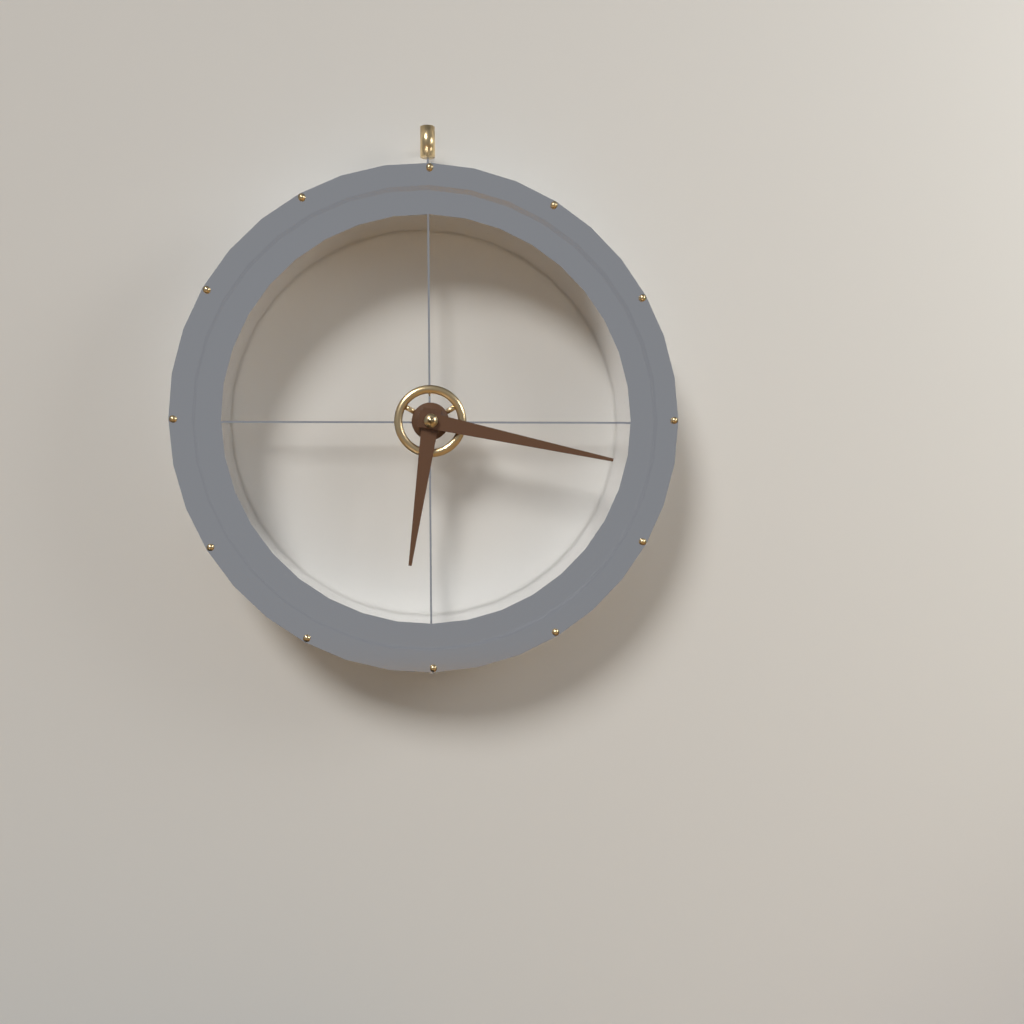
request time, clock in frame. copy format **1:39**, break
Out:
**6:17**
